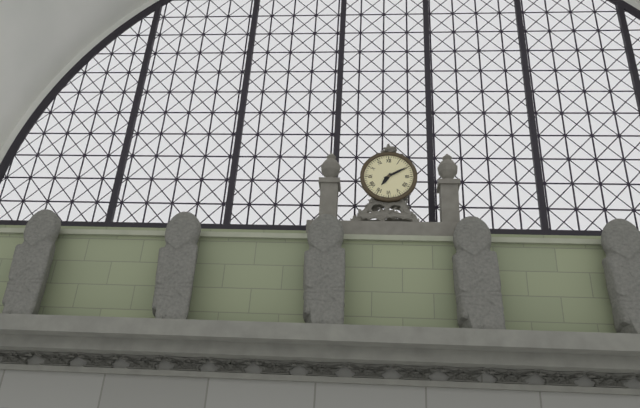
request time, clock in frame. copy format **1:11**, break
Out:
**7:10**
